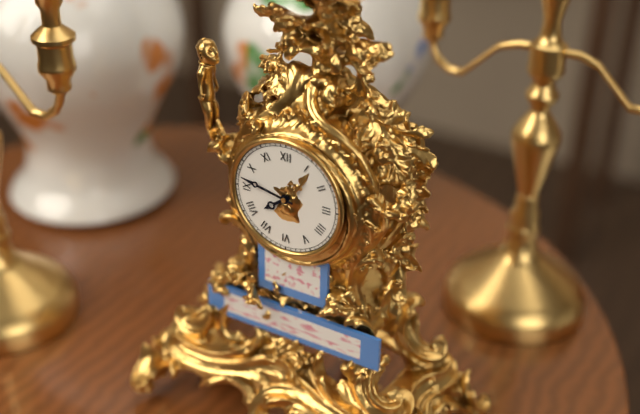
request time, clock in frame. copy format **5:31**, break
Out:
**7:47**
